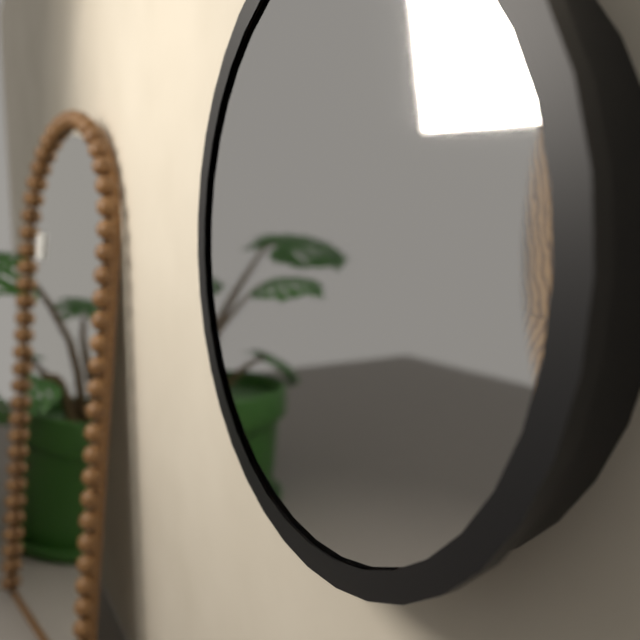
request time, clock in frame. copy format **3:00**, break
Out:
**11:33**
